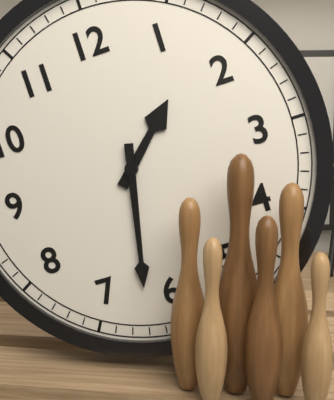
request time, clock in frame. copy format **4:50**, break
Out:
**1:32**
